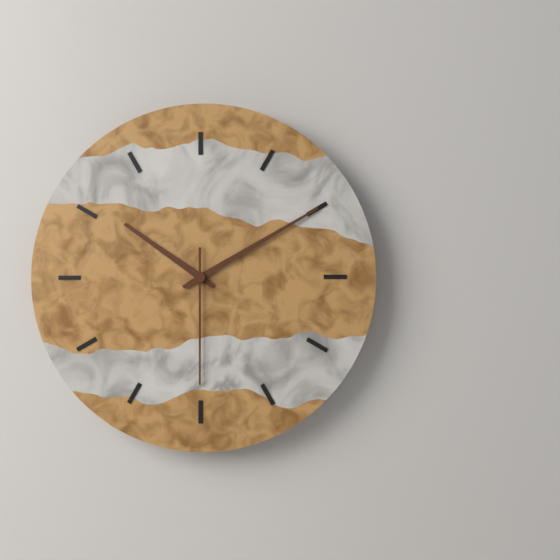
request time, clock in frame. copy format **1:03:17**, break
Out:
**10:10:30**
